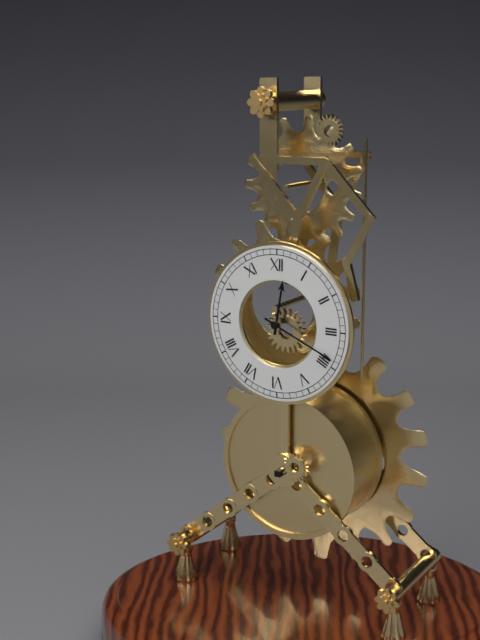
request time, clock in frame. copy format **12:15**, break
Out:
**12:19**
